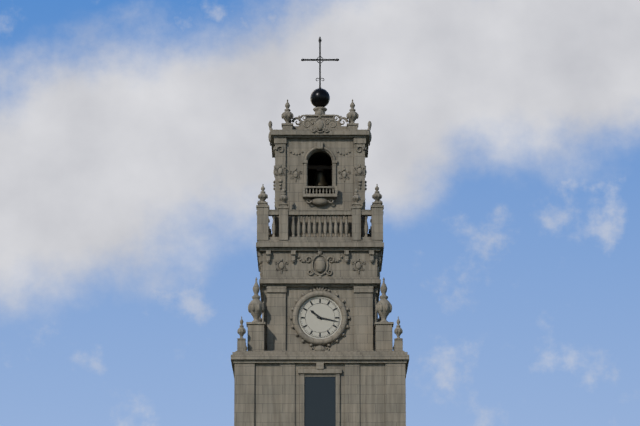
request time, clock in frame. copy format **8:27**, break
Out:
**10:17**
